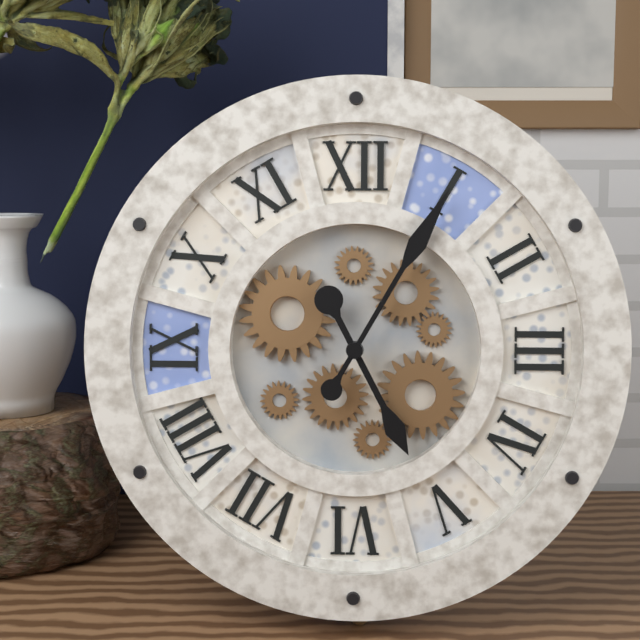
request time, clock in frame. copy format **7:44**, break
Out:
**5:05**
